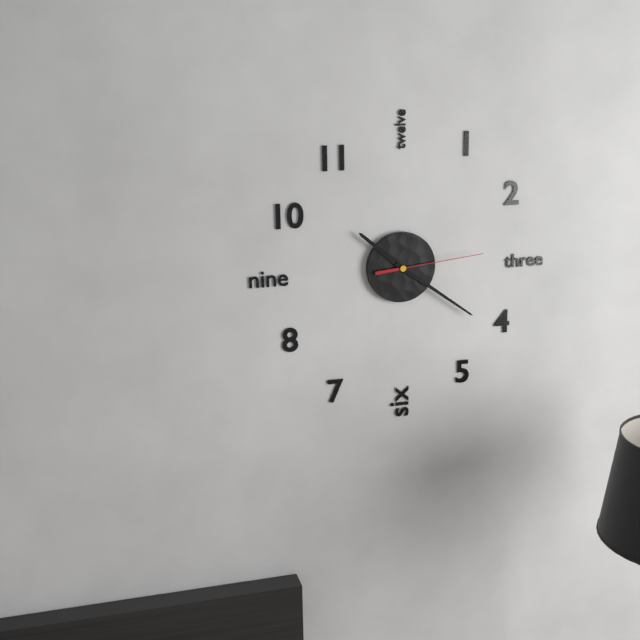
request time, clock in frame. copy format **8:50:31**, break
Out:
**10:21:14**
